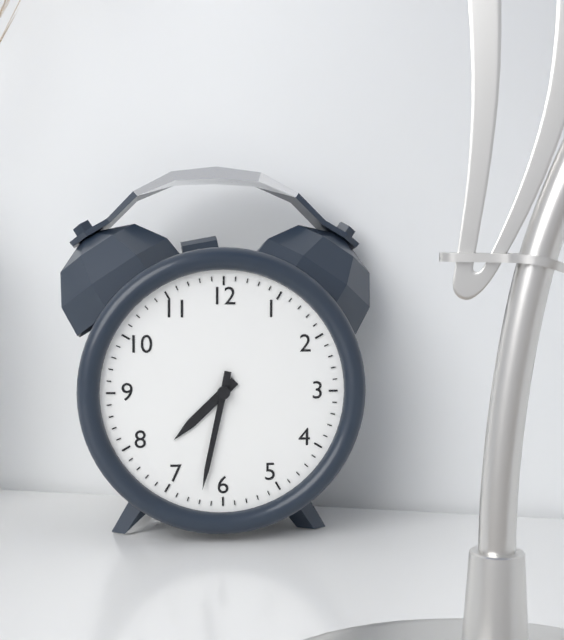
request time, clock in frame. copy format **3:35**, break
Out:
**7:32**
